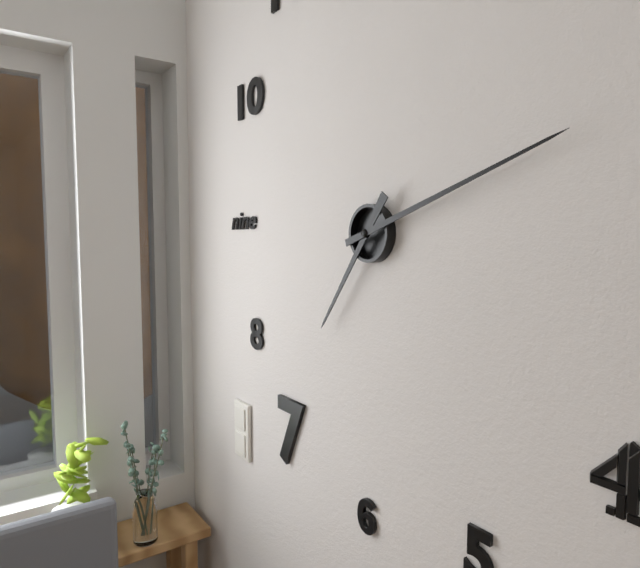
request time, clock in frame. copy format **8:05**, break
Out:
**7:12**
